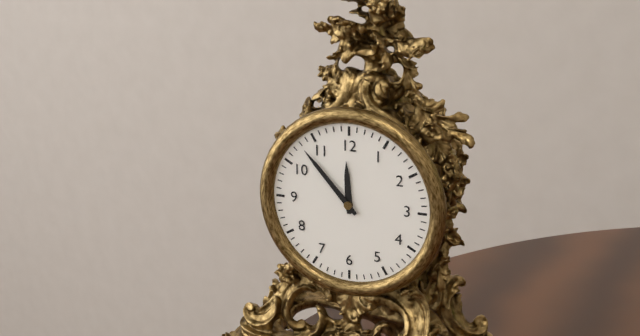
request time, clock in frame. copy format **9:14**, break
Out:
**11:53**
